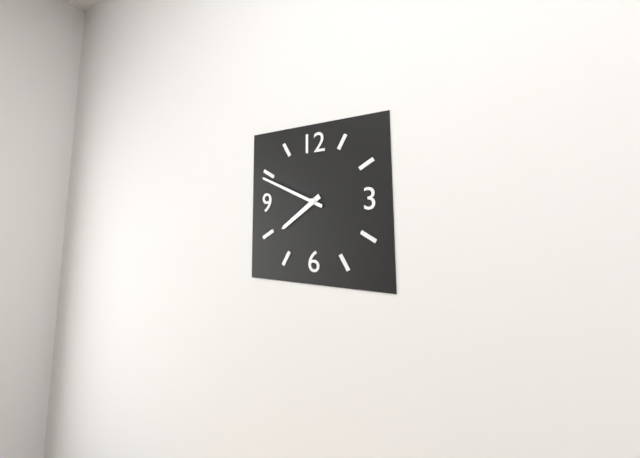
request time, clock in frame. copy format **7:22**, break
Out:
**7:49**
